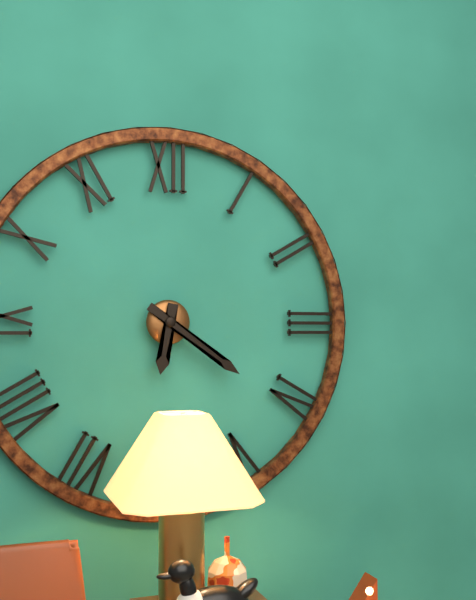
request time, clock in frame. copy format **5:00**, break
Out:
**6:21**
